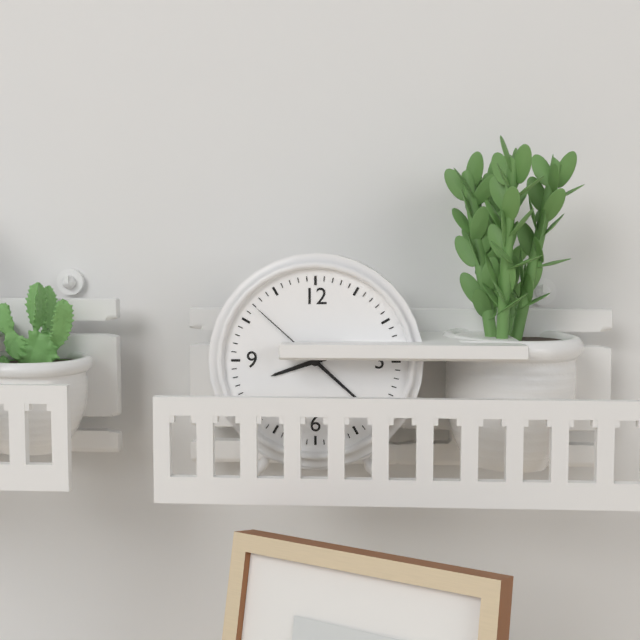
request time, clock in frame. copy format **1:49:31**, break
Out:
**8:22:52**
